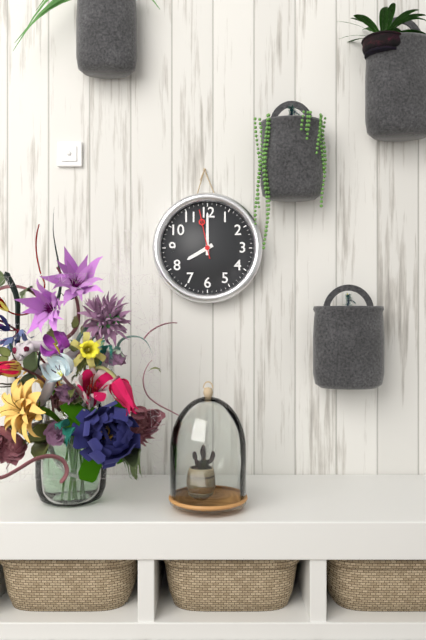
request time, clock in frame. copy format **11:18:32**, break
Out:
**8:00:58**
